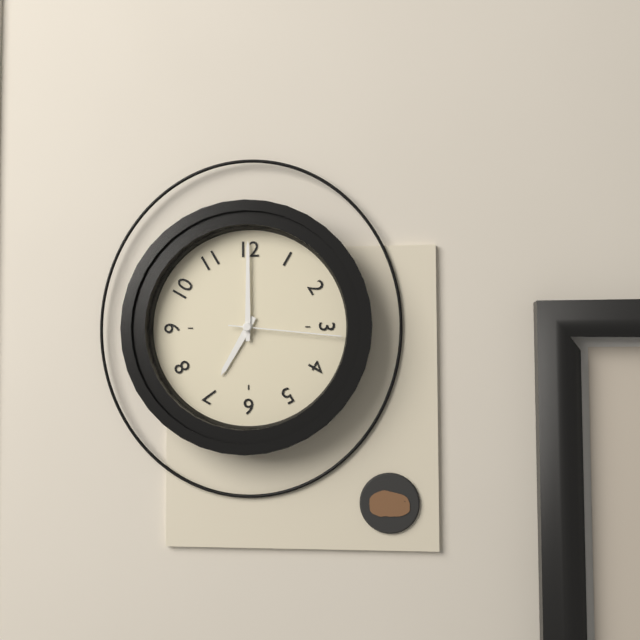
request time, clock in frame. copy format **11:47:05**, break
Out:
**7:00:16**
